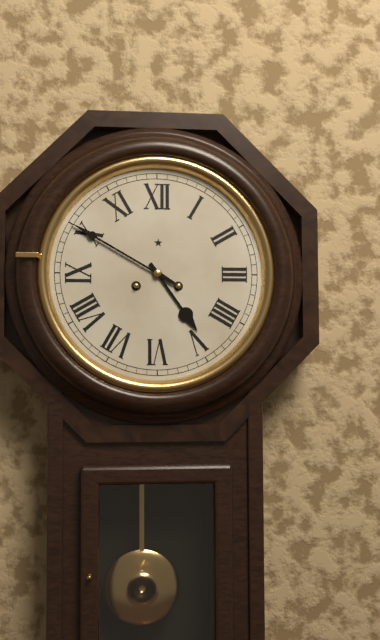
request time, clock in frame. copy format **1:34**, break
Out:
**4:50**
